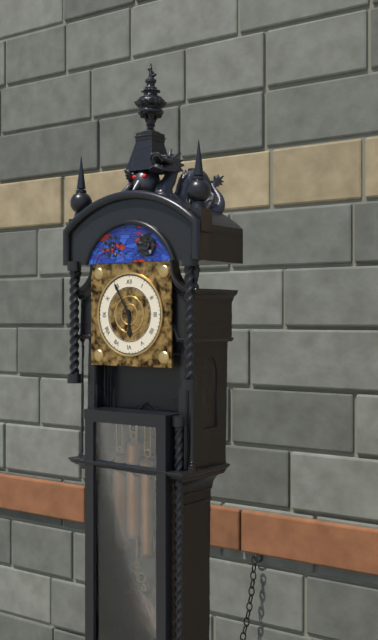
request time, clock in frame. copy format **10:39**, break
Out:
**5:55**
